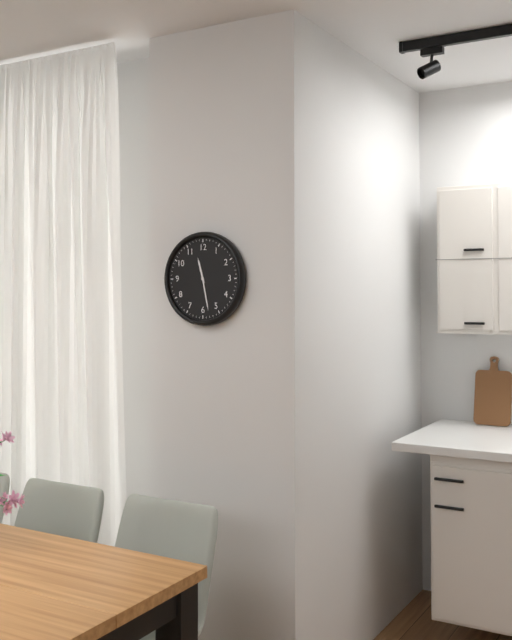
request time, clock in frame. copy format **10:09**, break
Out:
**11:28**
